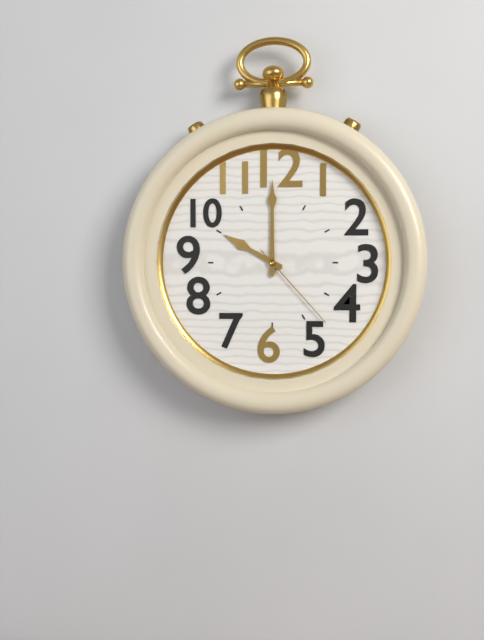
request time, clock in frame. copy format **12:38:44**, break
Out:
**10:00:23**
